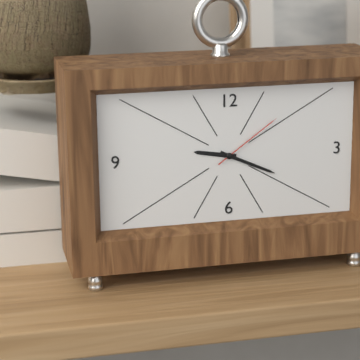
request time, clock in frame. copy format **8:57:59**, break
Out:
**9:19:09**
